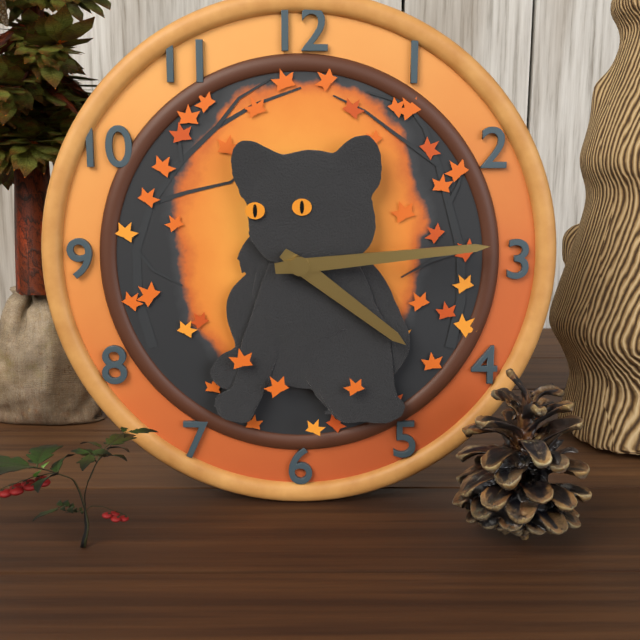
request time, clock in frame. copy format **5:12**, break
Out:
**4:14**
